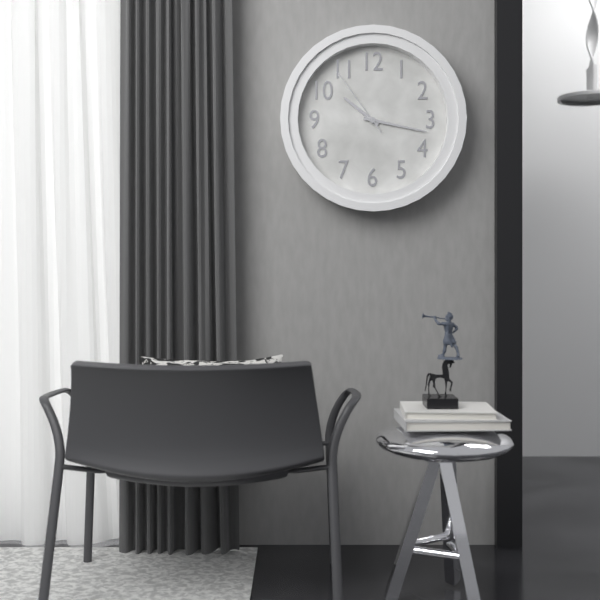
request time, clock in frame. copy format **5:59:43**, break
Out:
**10:17:54**
